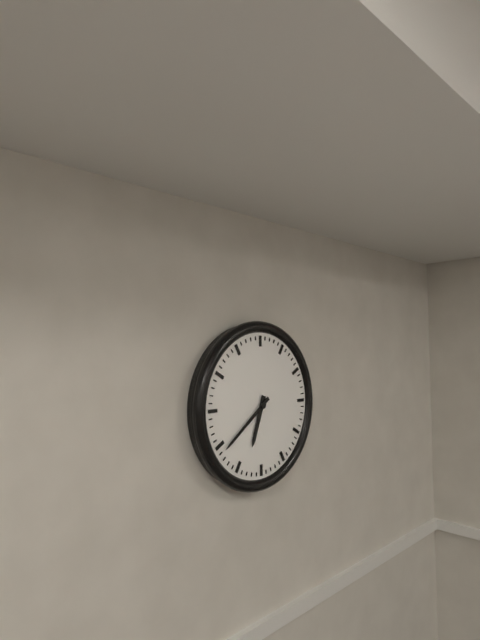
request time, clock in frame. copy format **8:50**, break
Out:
**6:39**
